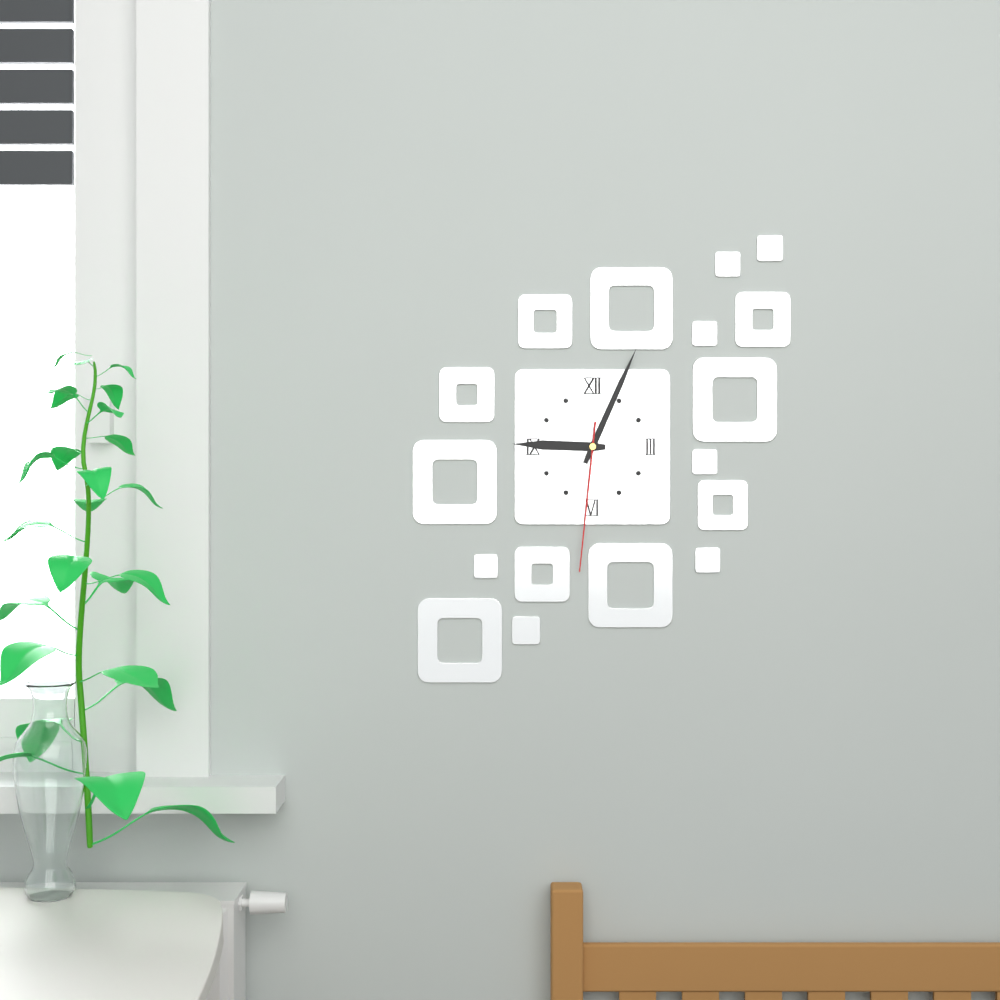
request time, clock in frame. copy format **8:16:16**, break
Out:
**9:04:31**
